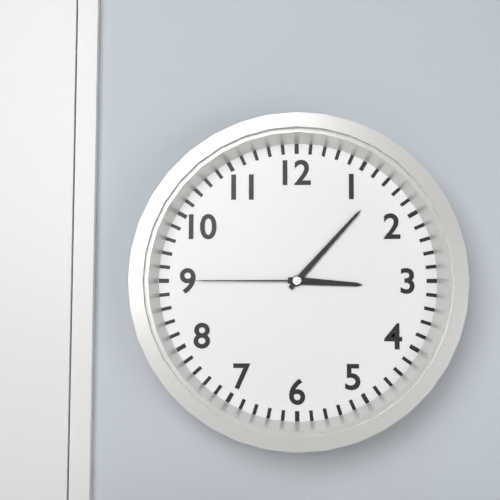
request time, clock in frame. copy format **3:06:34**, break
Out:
**3:07:45**
